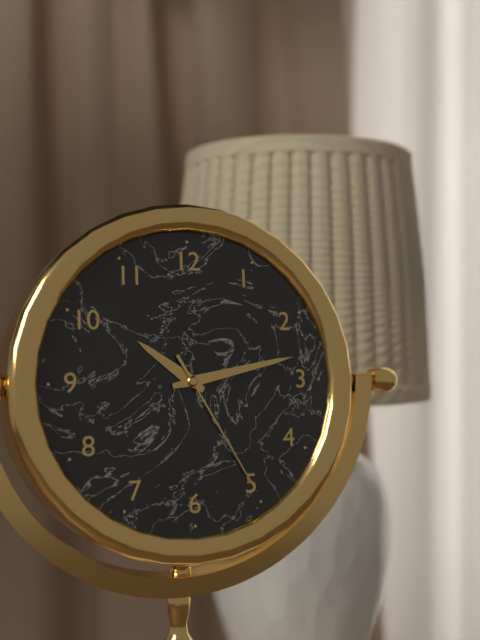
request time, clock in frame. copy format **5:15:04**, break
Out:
**10:13:25**
